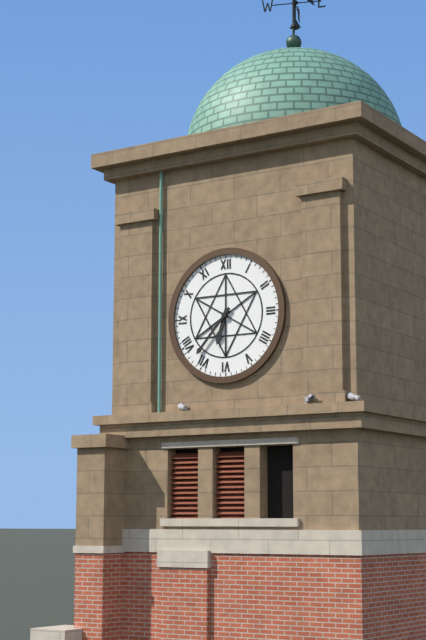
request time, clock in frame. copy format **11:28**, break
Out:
**6:37**
